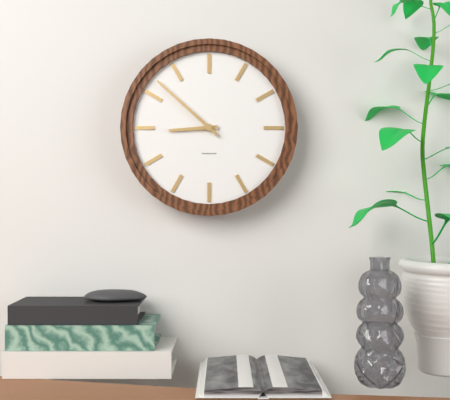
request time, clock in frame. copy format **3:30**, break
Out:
**8:52**
